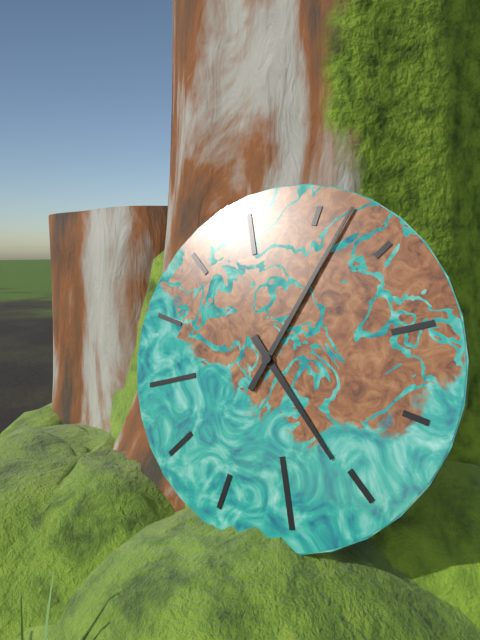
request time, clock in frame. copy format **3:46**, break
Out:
**5:07**
